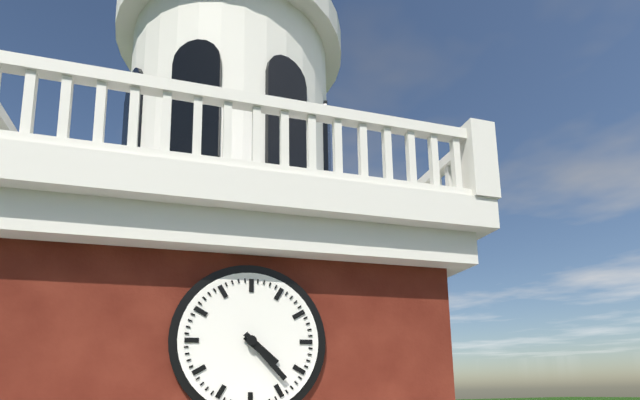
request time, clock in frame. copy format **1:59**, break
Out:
**4:23**
